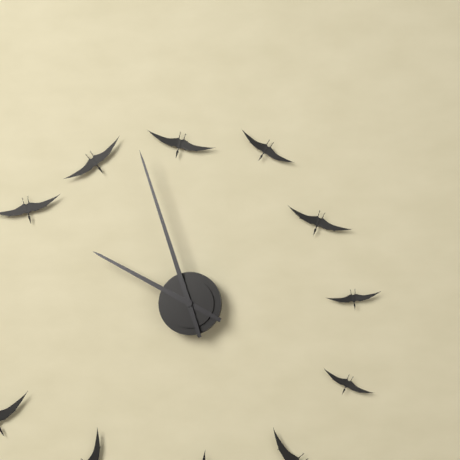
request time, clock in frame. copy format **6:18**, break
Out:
**9:57**
